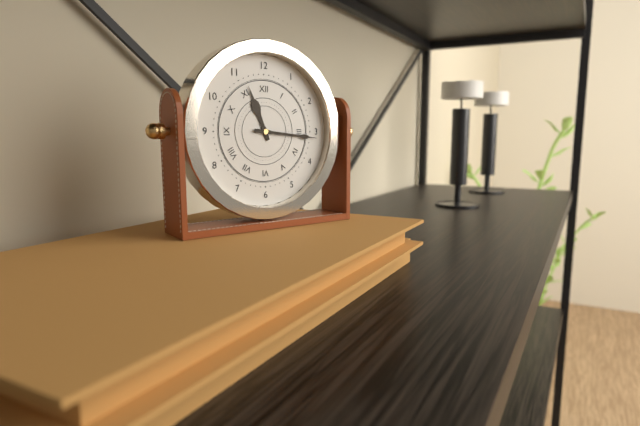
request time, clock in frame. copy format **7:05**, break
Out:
**11:16**
